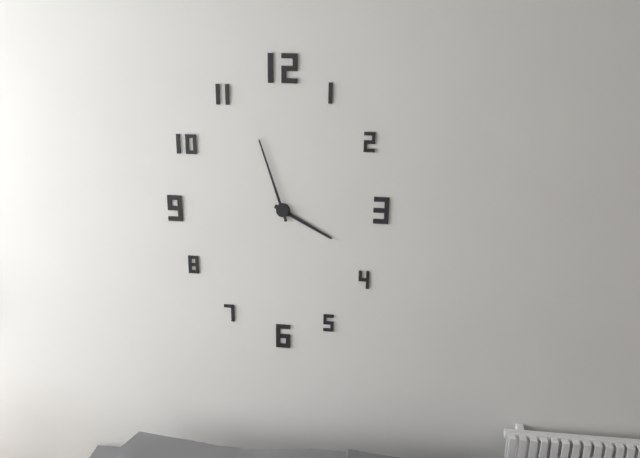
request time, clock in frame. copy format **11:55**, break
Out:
**3:57**
